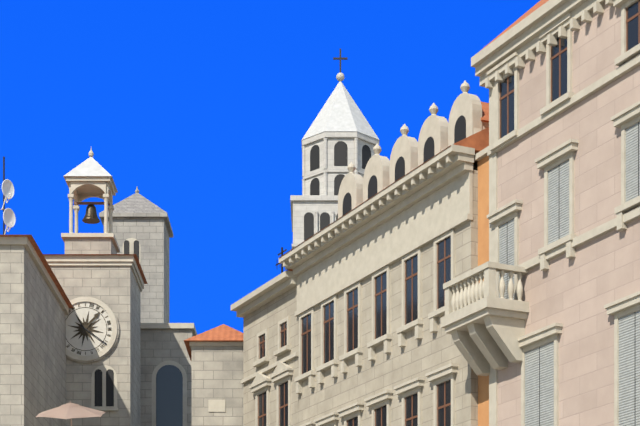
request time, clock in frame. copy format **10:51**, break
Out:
**1:21**
